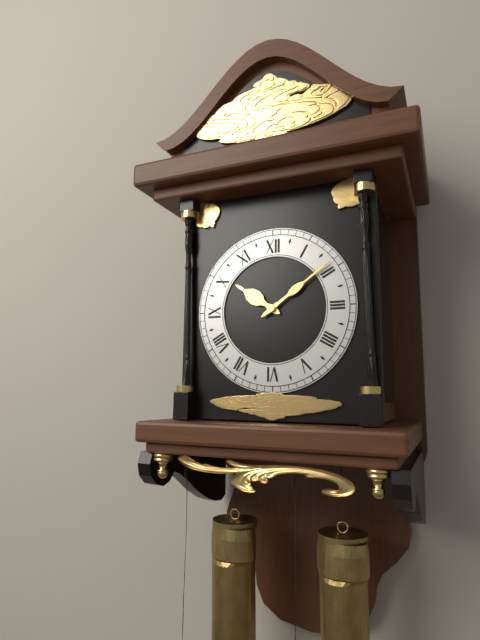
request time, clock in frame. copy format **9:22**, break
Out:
**10:09**
